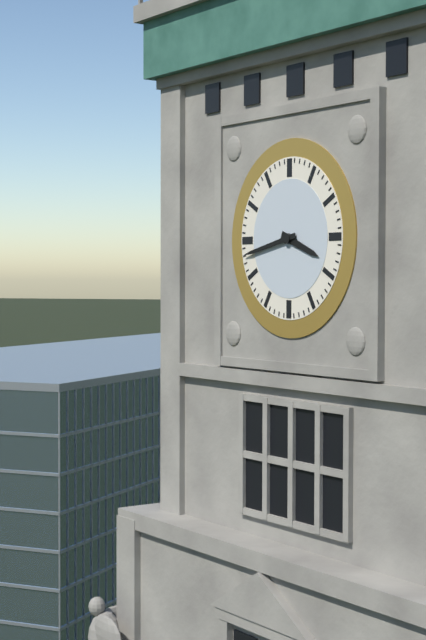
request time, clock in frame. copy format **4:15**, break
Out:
**3:43**
